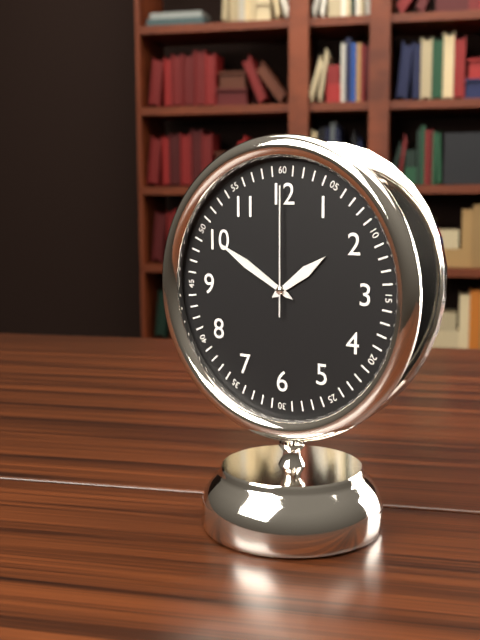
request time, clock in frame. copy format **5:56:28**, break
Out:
**1:50:00**
